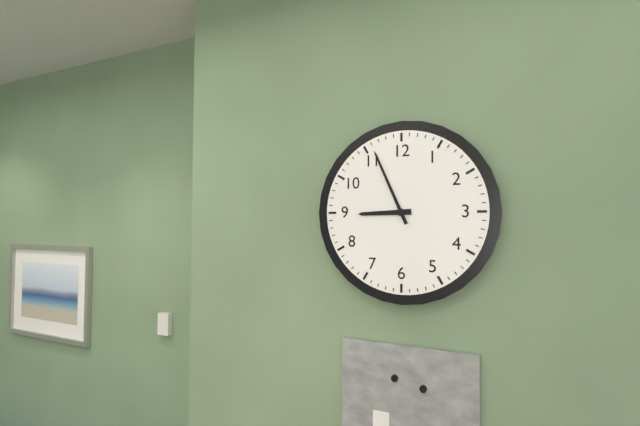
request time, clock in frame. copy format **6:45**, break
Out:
**8:56**
